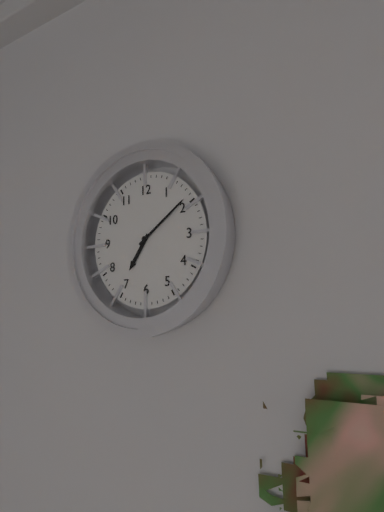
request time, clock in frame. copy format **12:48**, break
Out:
**7:09**
